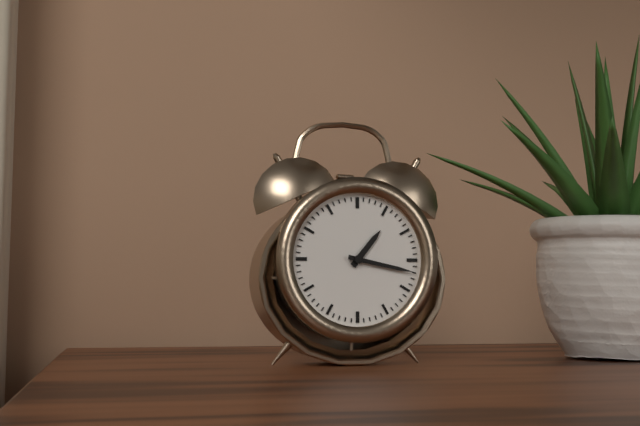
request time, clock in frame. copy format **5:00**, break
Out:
**1:17**
